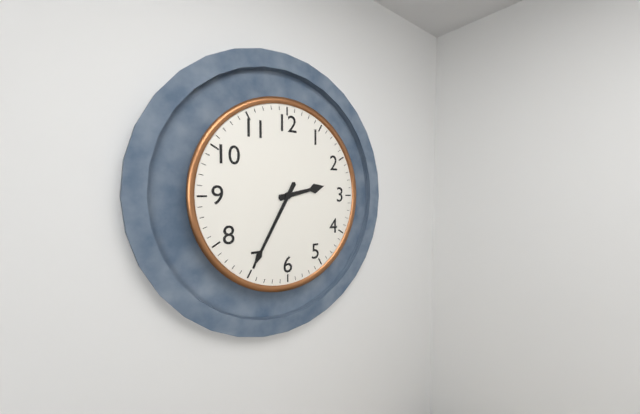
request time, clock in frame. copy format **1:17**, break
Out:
**2:35**
